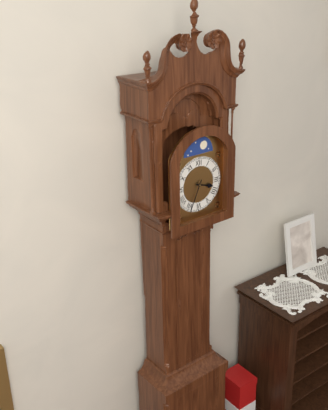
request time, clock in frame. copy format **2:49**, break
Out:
**3:34**
